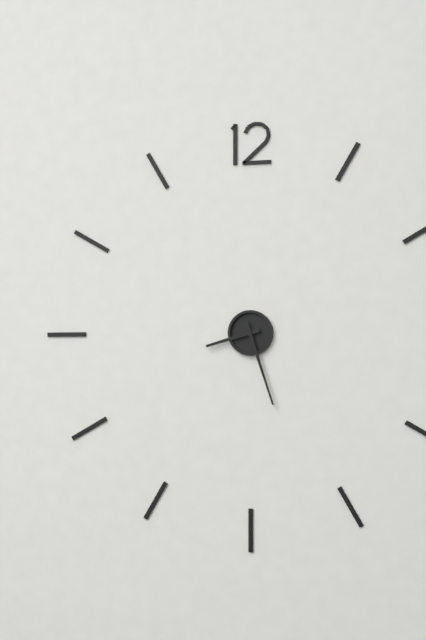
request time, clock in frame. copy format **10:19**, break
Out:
**8:27**
